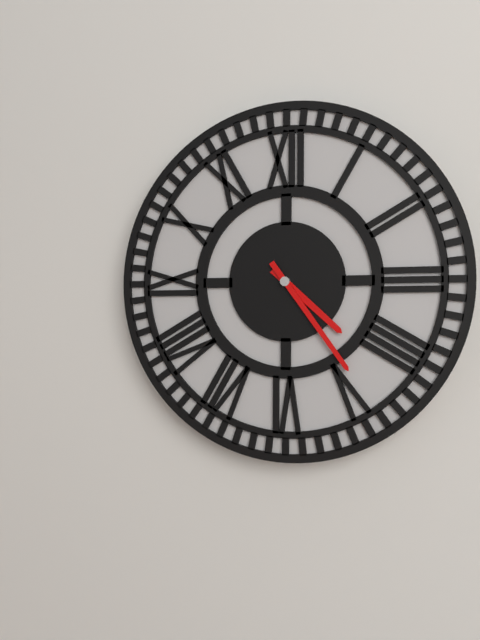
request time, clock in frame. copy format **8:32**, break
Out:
**4:24**
